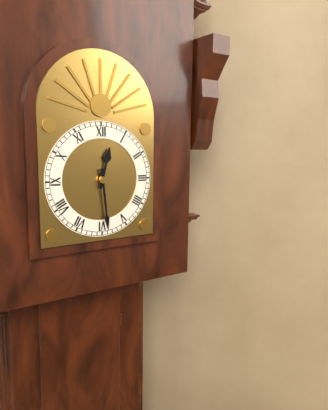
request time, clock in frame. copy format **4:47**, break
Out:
**12:29**
